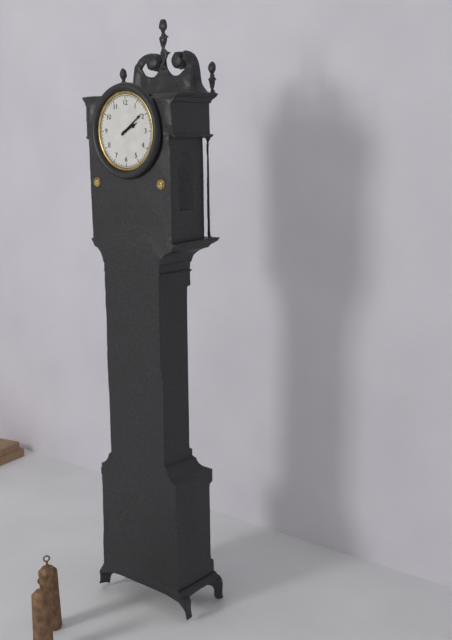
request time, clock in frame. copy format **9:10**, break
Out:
**2:09**
